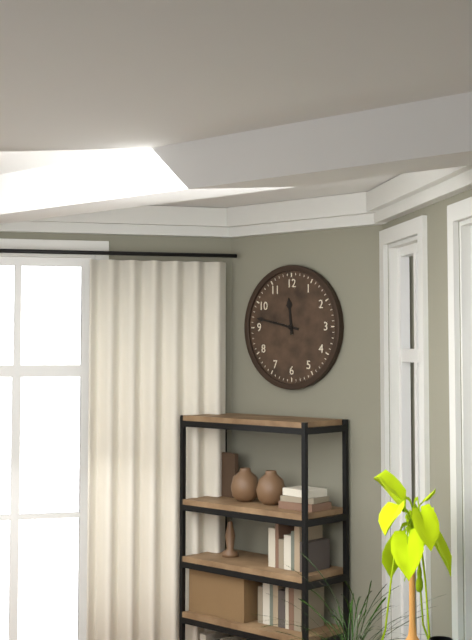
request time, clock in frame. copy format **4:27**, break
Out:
**11:47**
